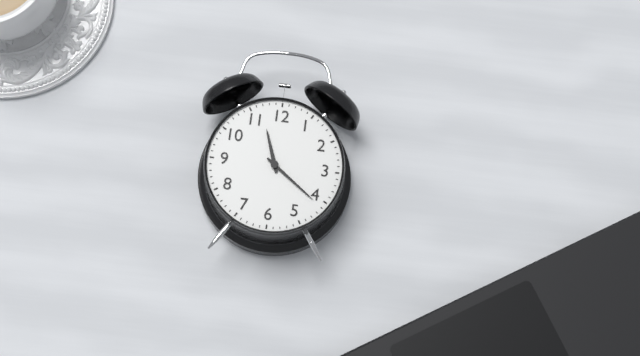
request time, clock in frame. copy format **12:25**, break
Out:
**11:21**
